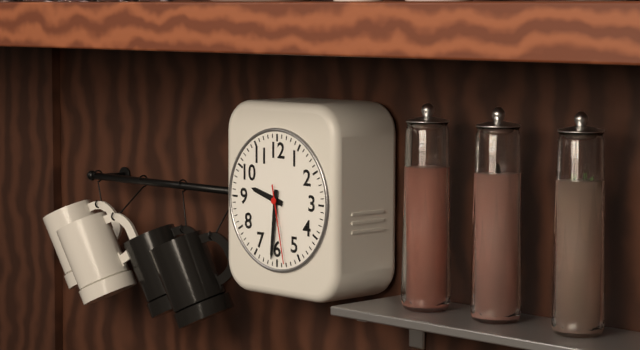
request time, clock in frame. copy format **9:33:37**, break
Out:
**9:31:28**
